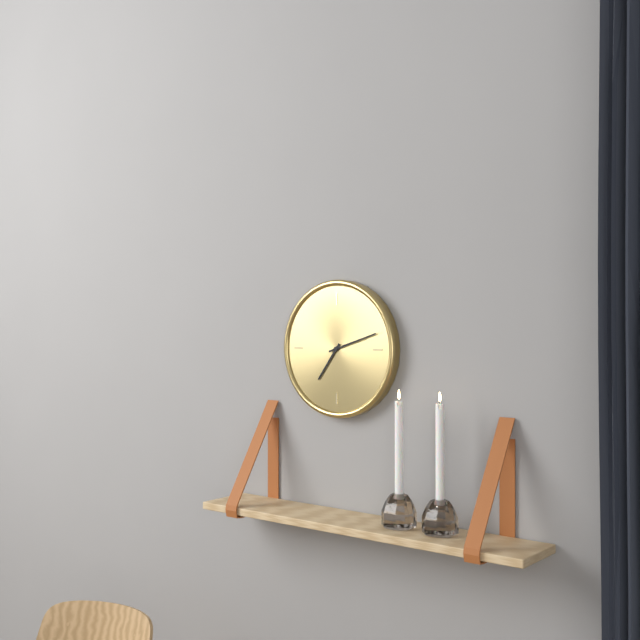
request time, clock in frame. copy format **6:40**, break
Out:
**7:12**
